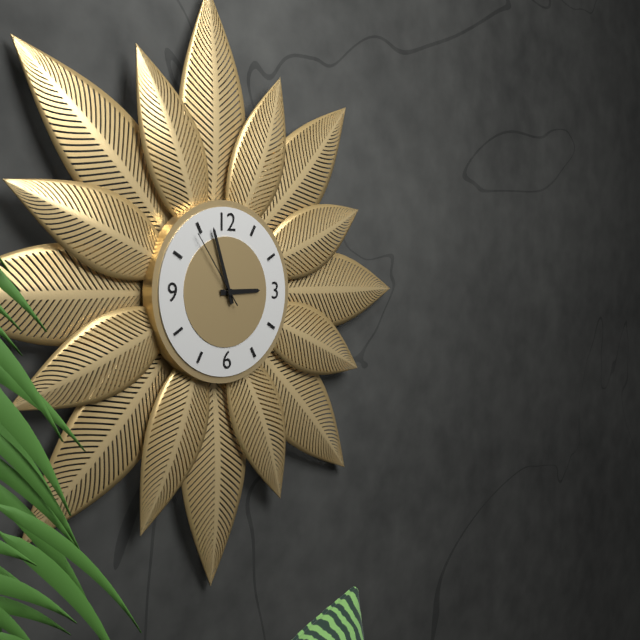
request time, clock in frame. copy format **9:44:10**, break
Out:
**2:57:54**
